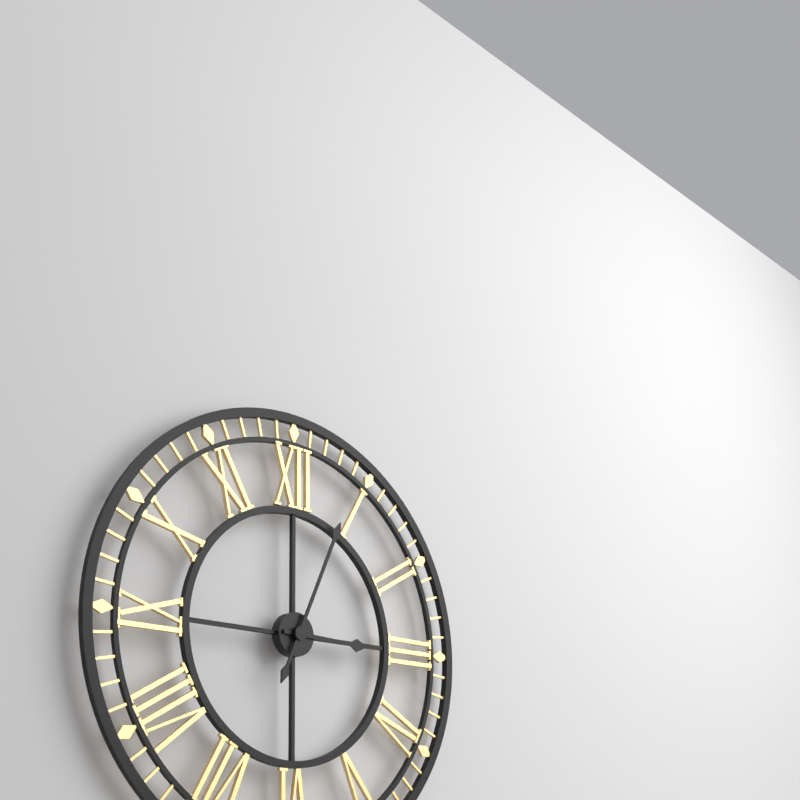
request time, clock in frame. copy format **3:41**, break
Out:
**3:04**
